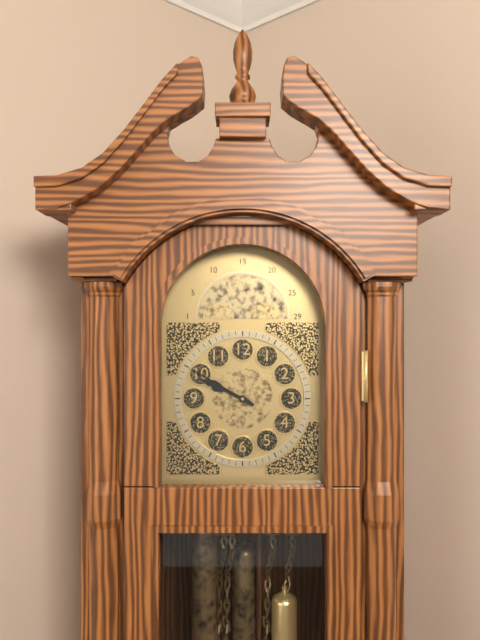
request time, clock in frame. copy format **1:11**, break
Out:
**9:50**
